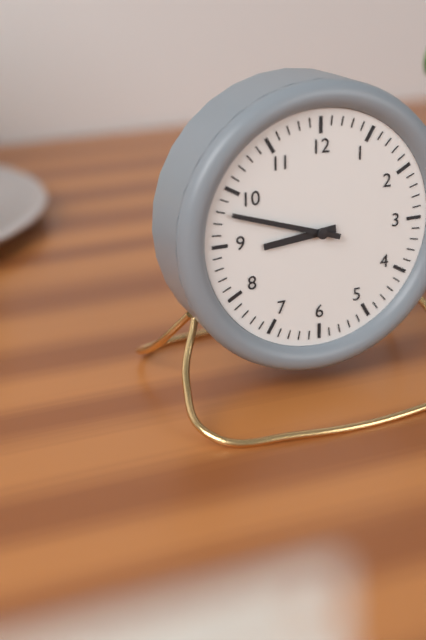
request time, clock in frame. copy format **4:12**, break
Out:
**8:48**
